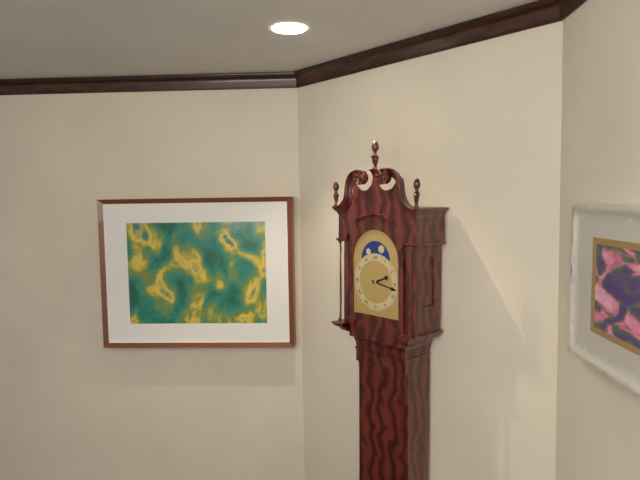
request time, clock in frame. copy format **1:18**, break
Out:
**2:17**
